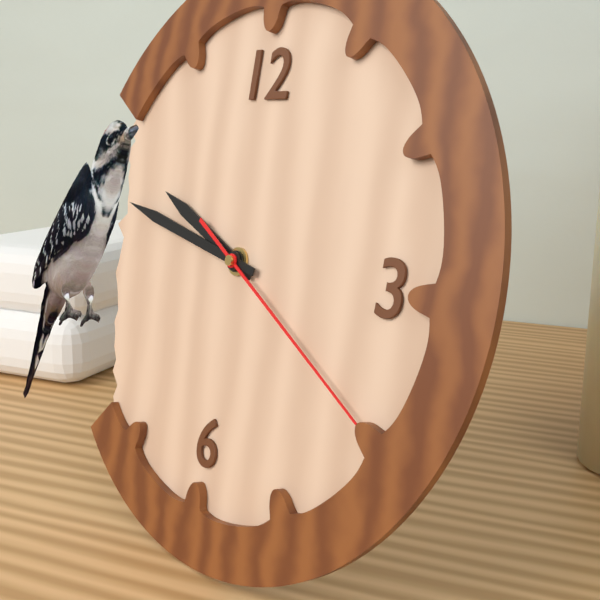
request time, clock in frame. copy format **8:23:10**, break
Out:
**9:47:20**
